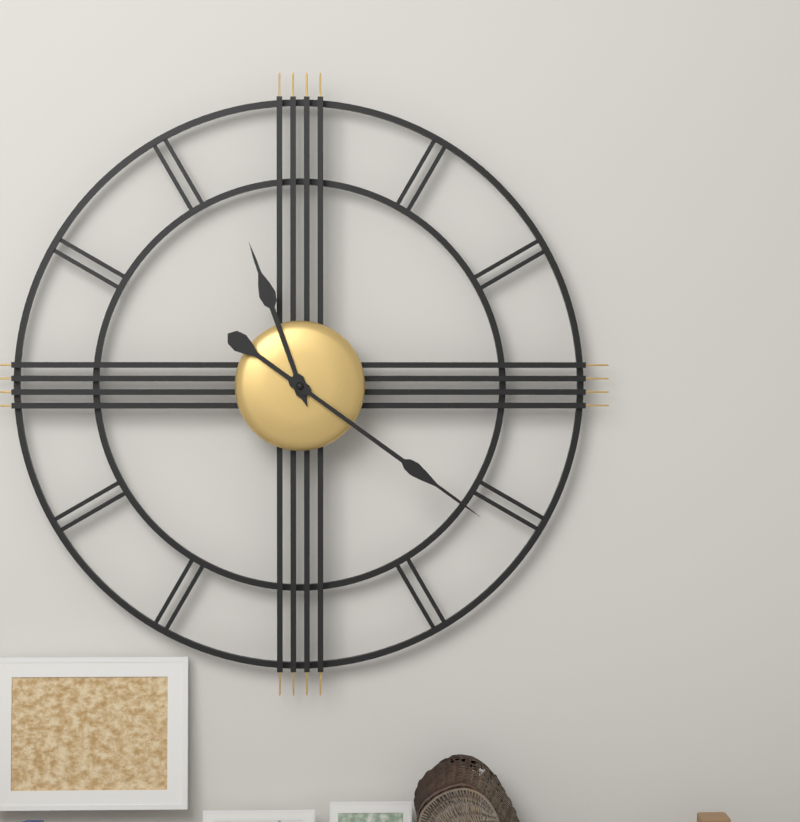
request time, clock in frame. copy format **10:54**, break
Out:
**11:21**
